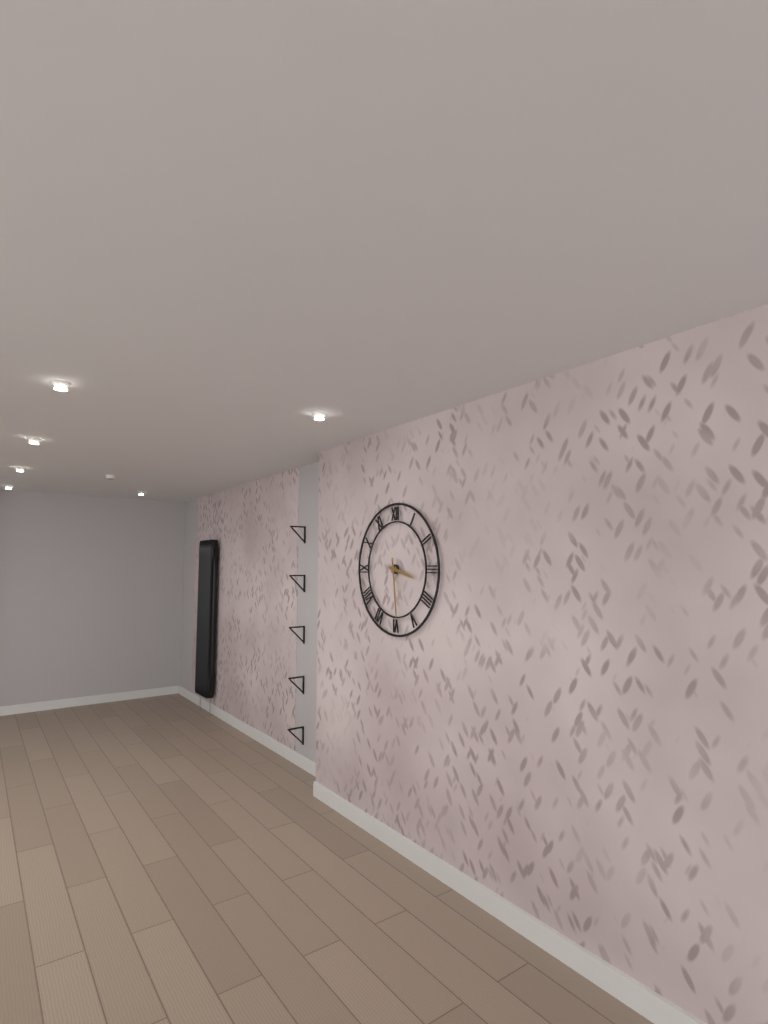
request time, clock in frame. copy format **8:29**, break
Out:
**3:29**
